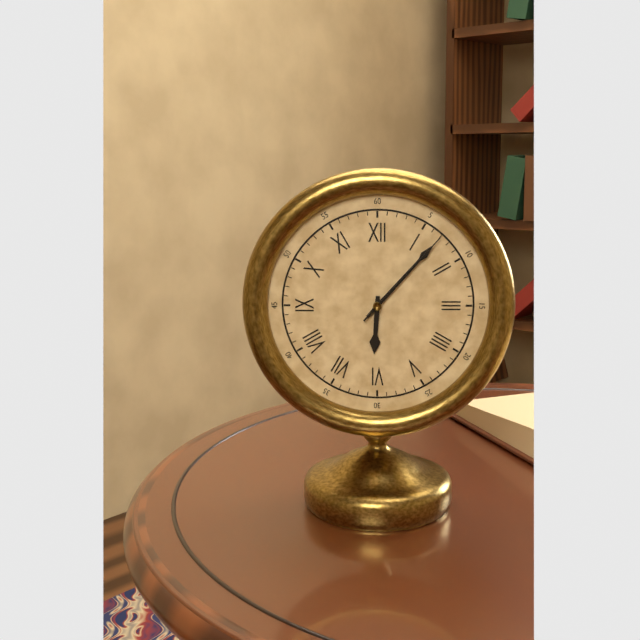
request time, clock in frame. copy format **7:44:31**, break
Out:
**6:07:07**
